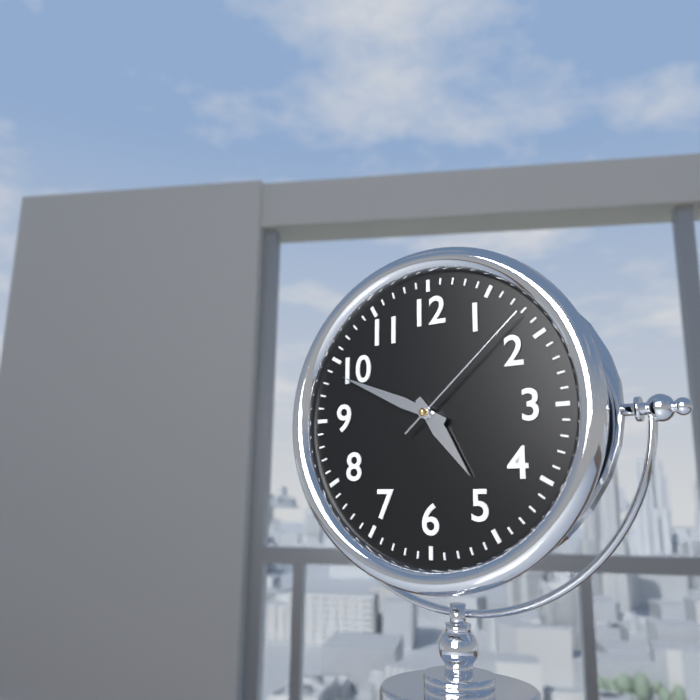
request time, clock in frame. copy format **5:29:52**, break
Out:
**4:49:08**
